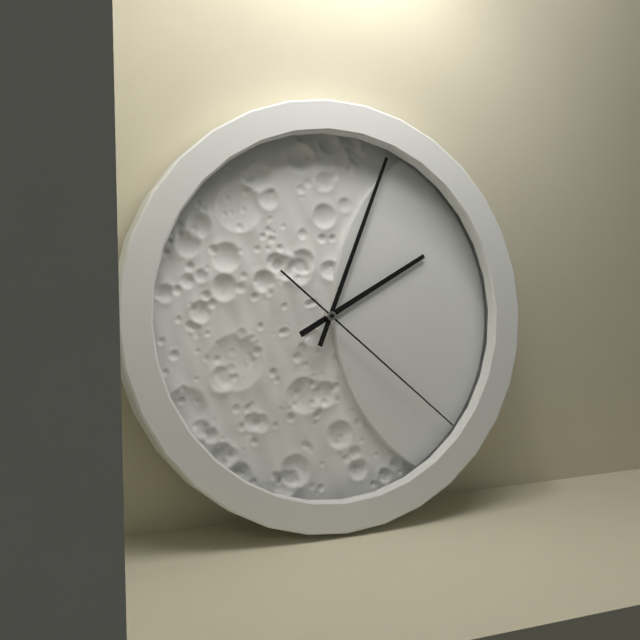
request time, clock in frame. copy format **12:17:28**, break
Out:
**2:04:22**
